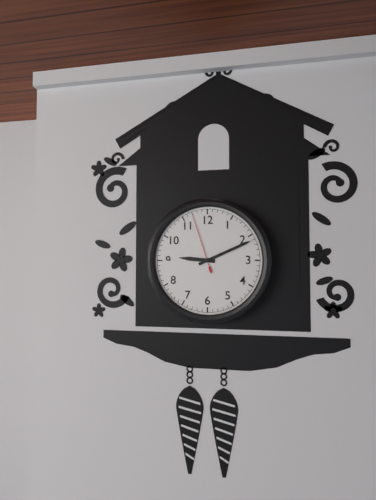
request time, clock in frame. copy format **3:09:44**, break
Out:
**9:11:57**
